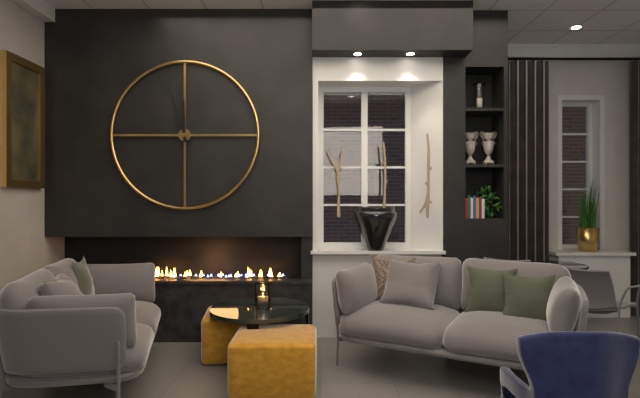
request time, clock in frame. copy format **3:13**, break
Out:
**11:57**
